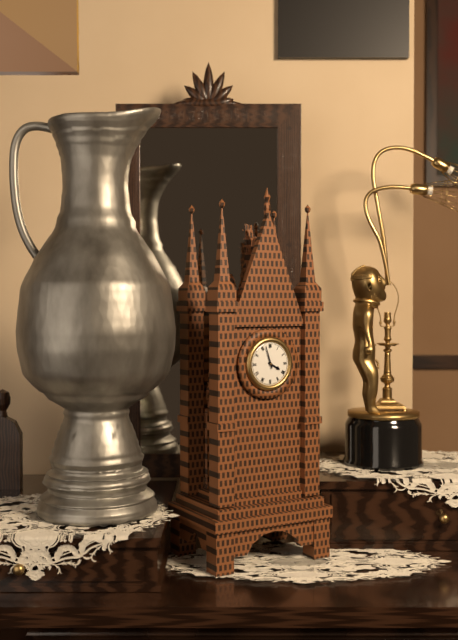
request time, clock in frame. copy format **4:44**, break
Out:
**3:57**
